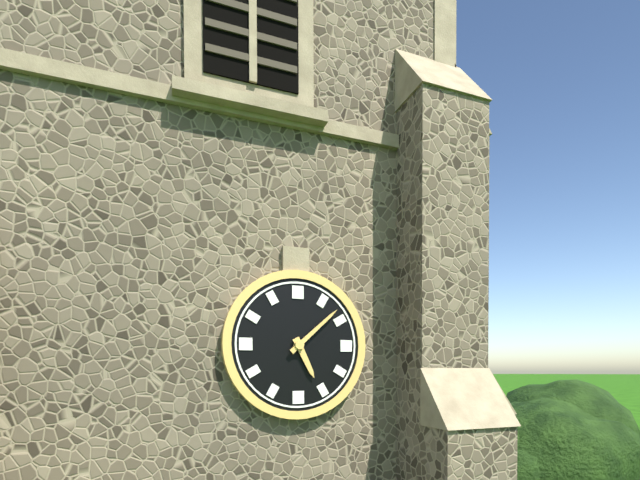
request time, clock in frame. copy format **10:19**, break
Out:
**5:08**
